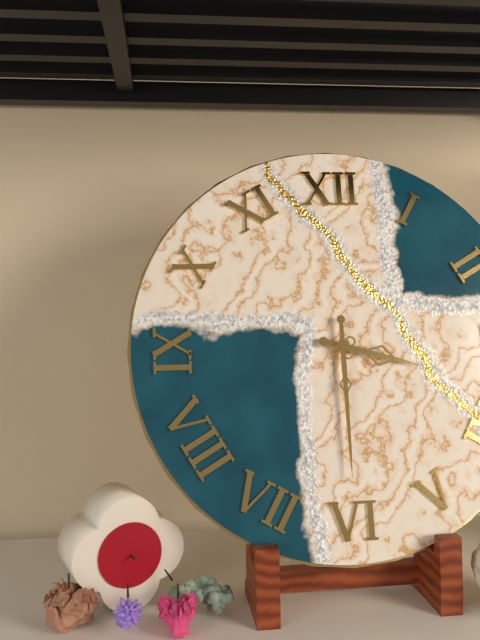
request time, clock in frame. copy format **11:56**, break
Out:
**3:30**
